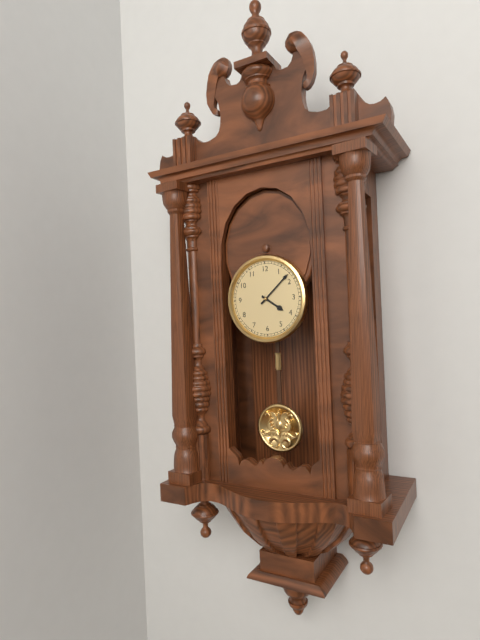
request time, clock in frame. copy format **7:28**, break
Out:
**4:08**
